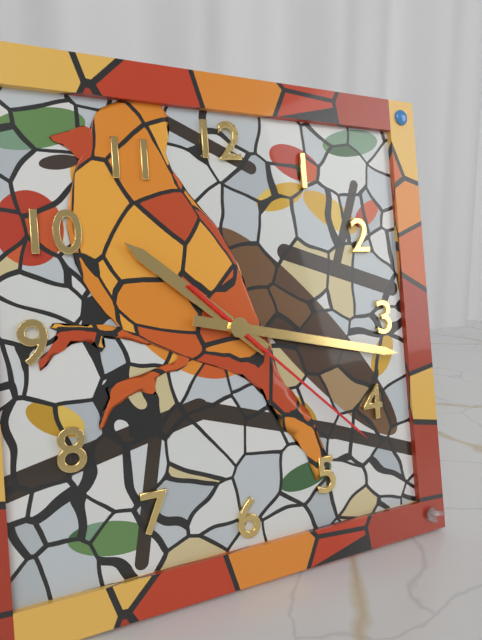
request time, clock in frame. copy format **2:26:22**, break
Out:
**10:17:22**
